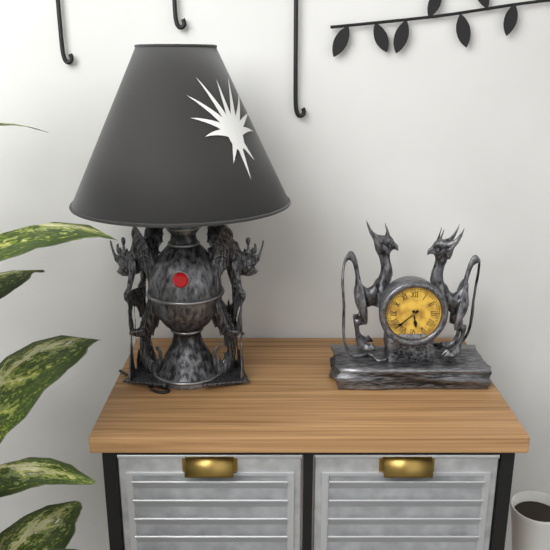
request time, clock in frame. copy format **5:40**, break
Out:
**5:38**
